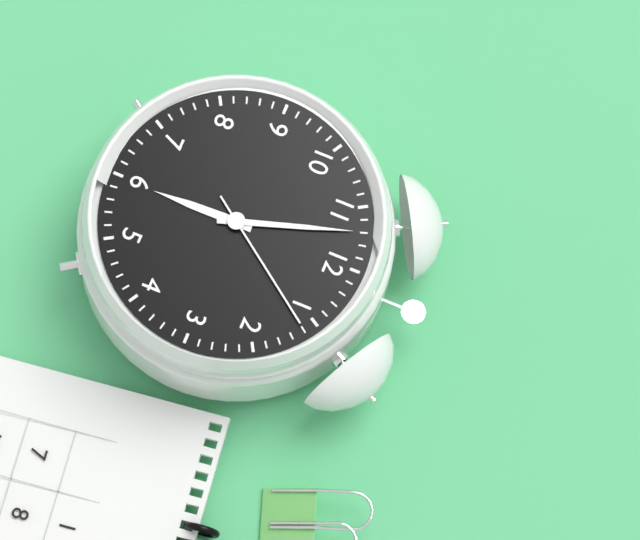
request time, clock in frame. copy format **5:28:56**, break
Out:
**5:57:06**
